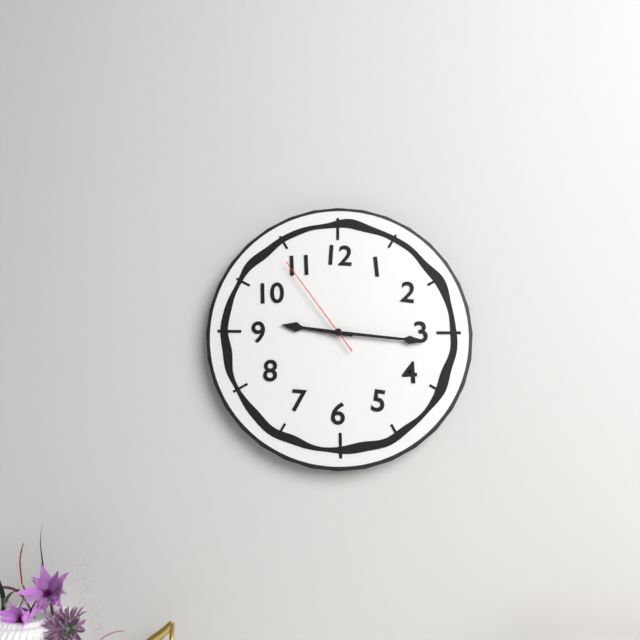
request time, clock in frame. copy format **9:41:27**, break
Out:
**9:16:54**
